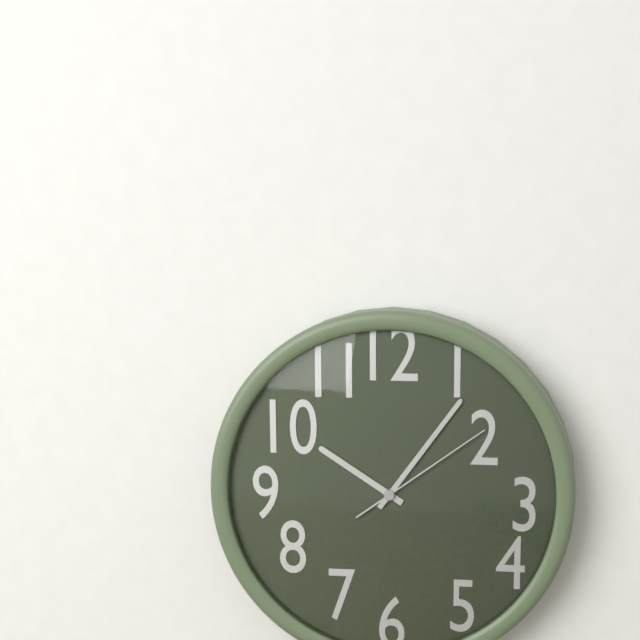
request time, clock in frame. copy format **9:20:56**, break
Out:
**10:06:09**
